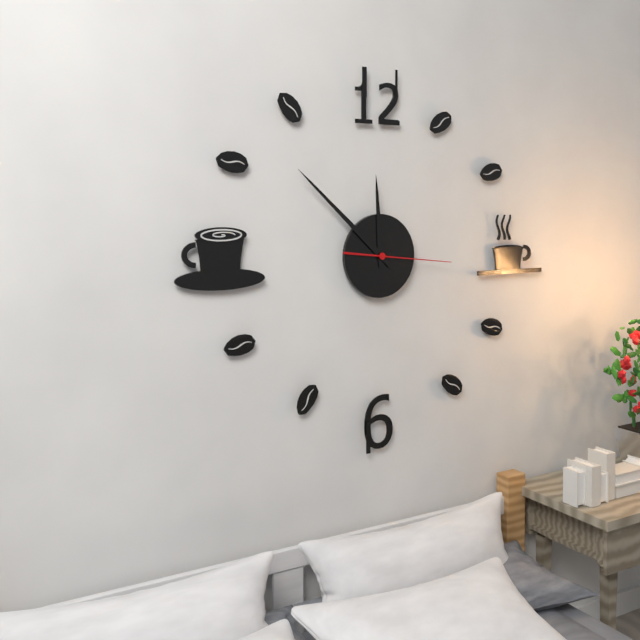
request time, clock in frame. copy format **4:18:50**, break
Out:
**11:52:16**
